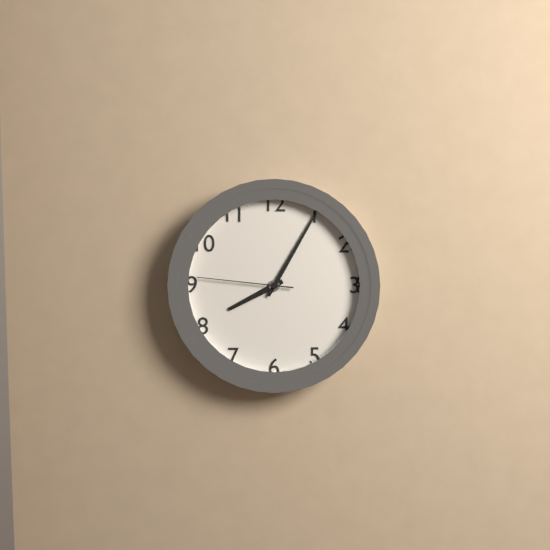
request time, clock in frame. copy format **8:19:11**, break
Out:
**8:05:46**
